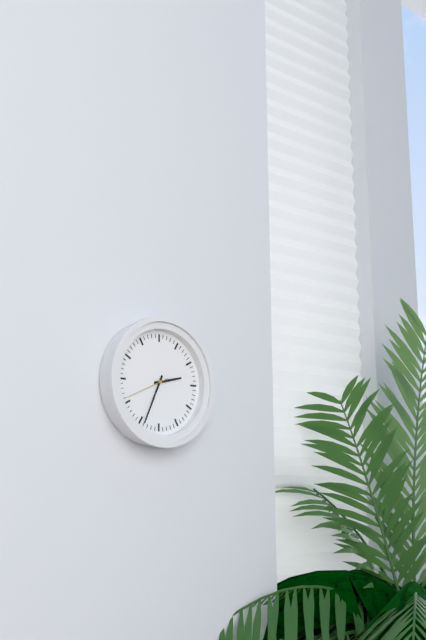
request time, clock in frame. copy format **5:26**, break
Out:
**2:34**
